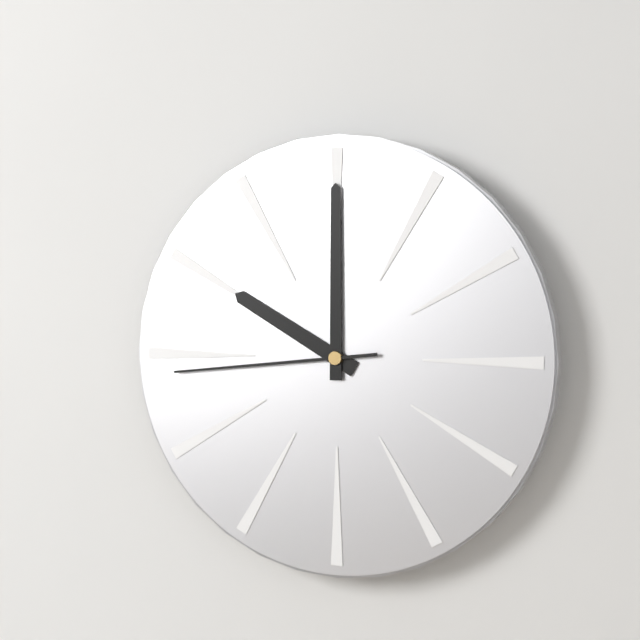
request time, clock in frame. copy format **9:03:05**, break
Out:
**10:00:44**
